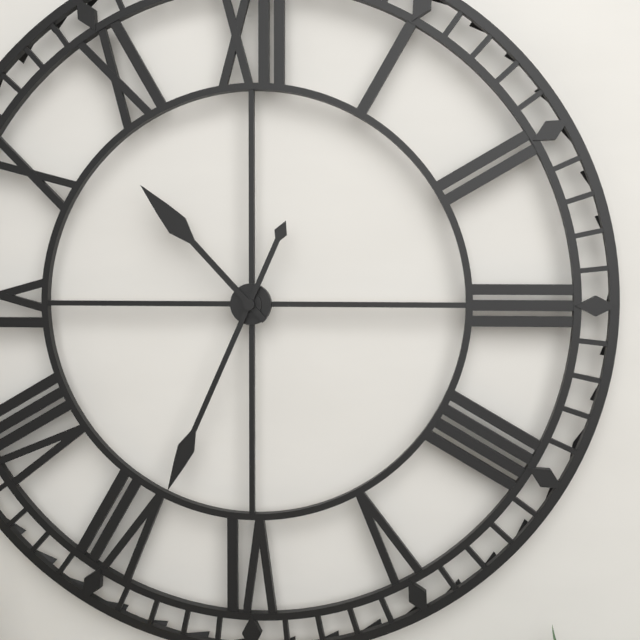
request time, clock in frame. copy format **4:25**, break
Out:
**10:34**
